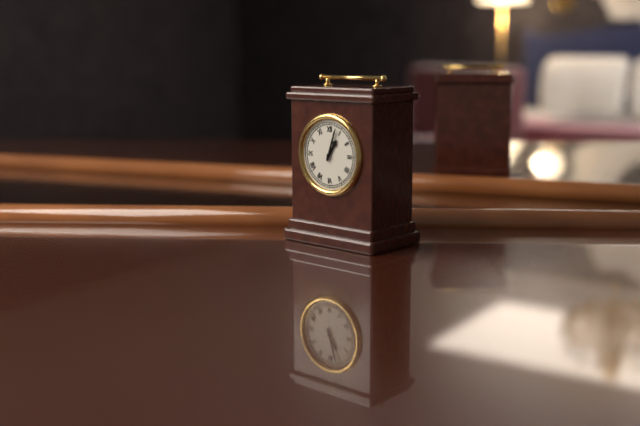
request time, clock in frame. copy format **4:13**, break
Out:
**1:03**
